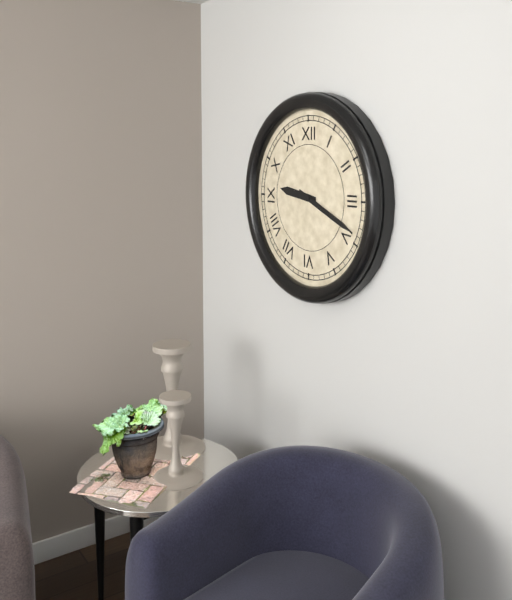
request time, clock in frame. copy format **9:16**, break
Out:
**9:19**
